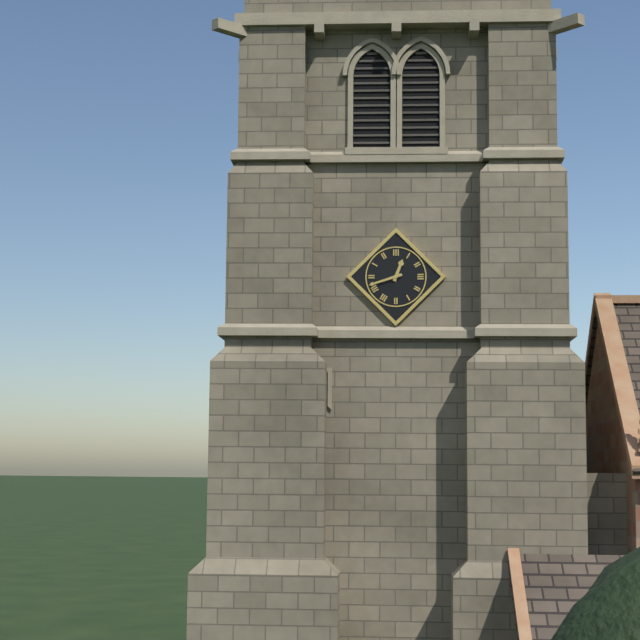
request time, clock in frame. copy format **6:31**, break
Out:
**12:42**
